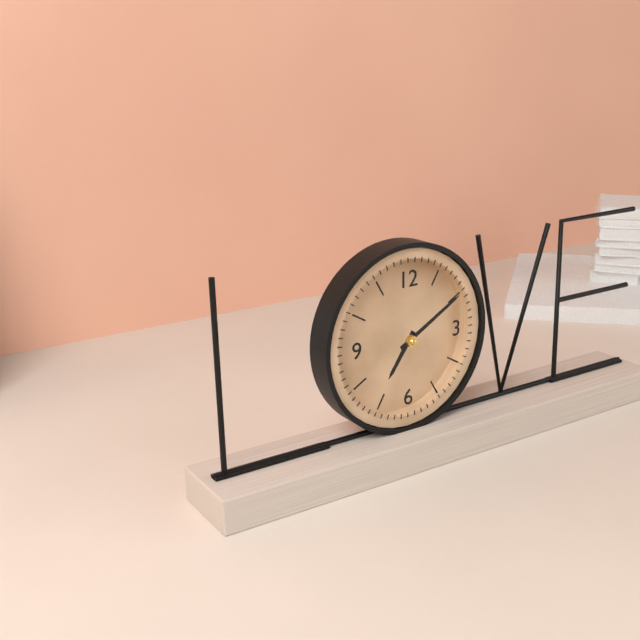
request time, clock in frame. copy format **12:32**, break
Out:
**7:10**
